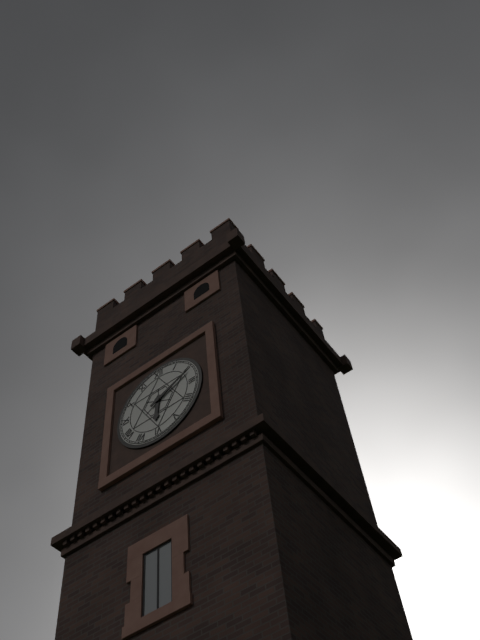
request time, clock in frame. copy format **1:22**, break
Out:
**6:11**
